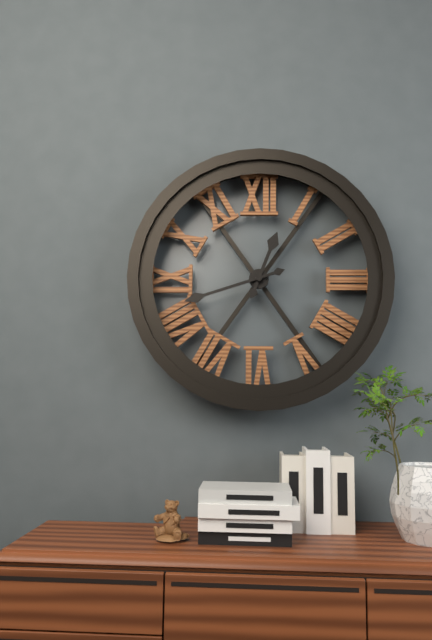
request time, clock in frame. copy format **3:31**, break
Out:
**12:42**
